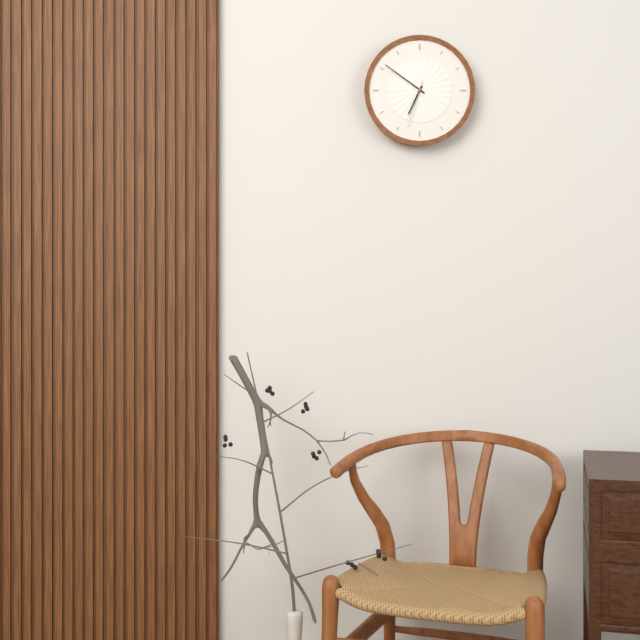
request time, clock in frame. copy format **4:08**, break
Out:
**6:51**
